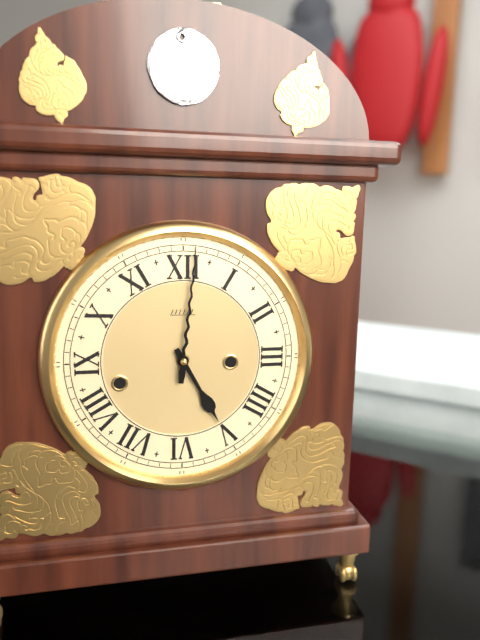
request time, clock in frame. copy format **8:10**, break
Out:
**5:01**
